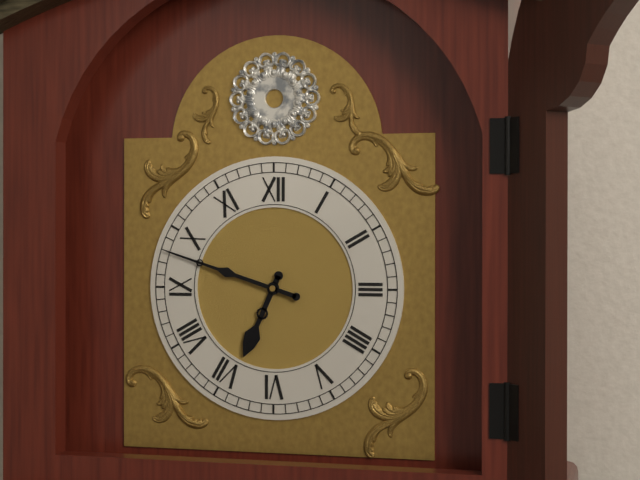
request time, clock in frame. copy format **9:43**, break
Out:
**6:48**
